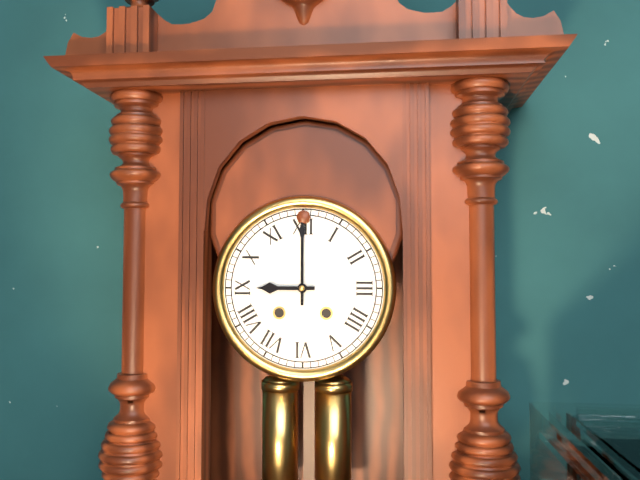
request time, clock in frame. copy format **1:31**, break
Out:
**9:00**
